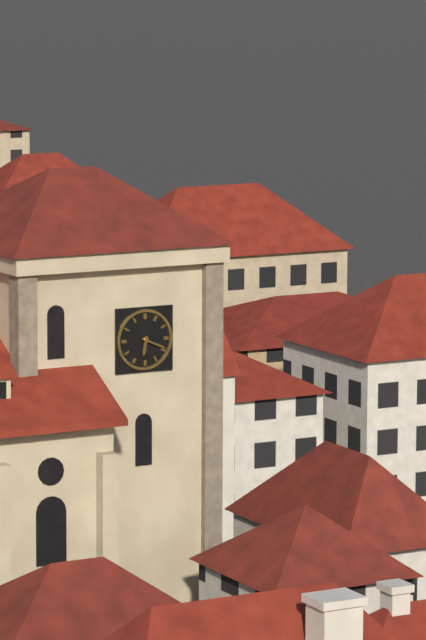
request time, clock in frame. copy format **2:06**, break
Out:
**6:19**
